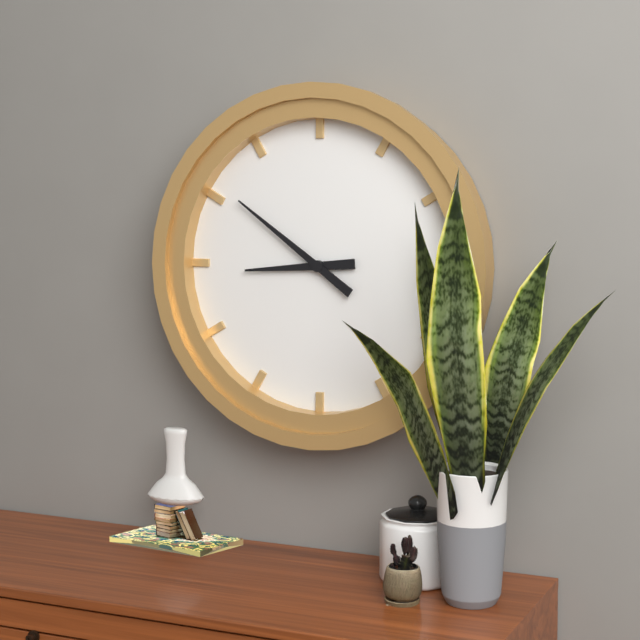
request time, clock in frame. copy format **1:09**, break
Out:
**8:51**
